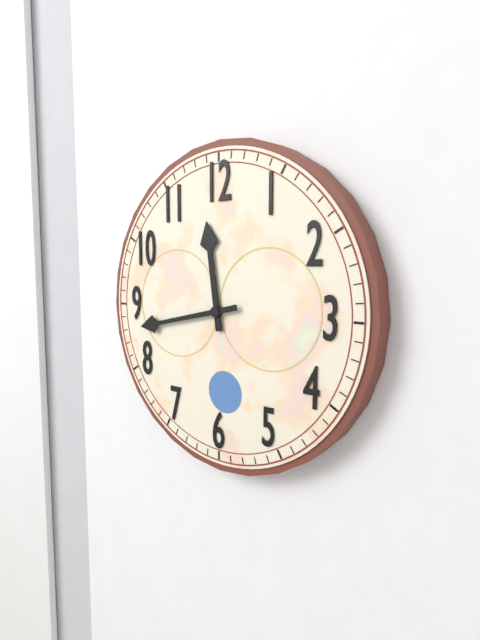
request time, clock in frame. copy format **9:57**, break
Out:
**11:43**
